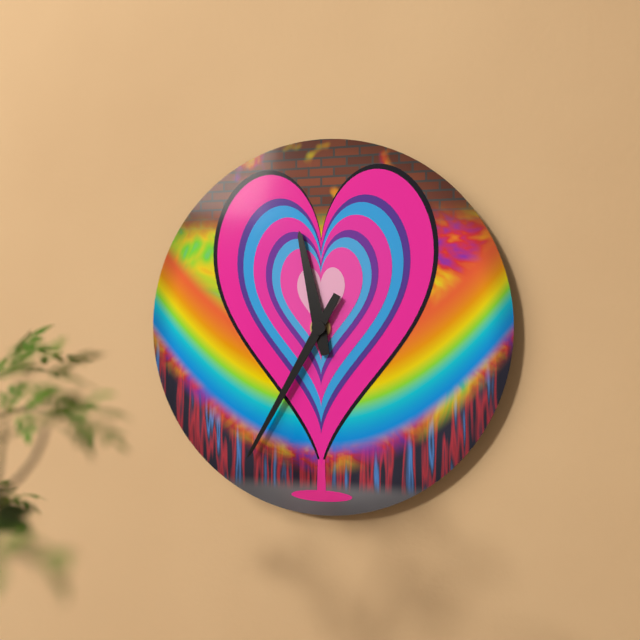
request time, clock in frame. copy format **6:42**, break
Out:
**11:35**
